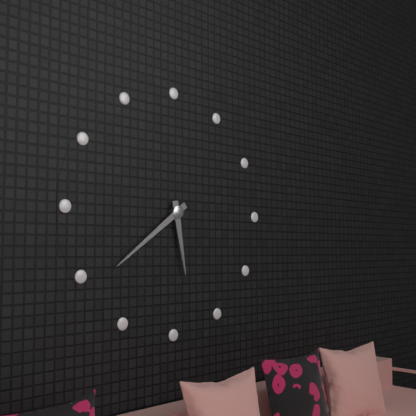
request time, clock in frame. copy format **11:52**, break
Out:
**5:39**
